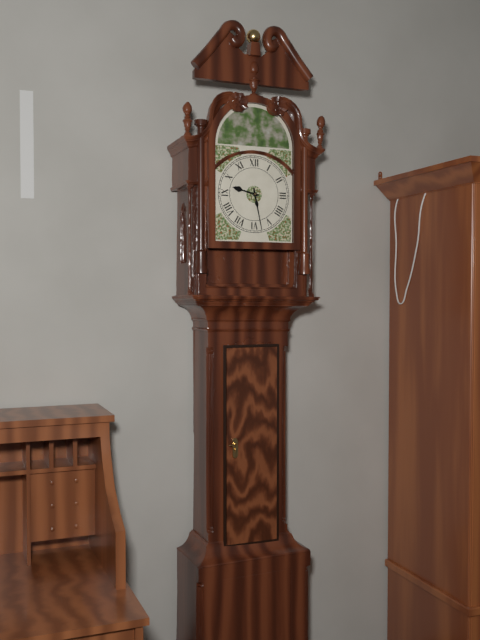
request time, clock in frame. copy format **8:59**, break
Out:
**9:28**
